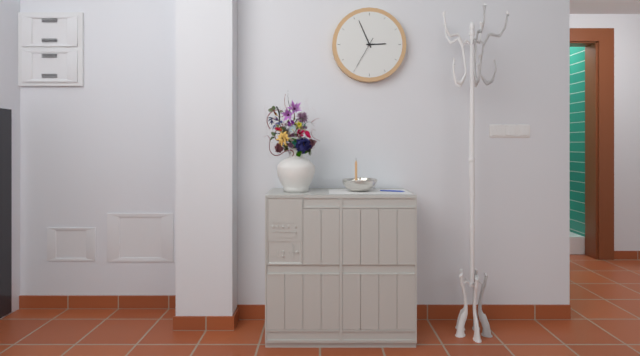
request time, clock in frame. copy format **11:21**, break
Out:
**2:56**
